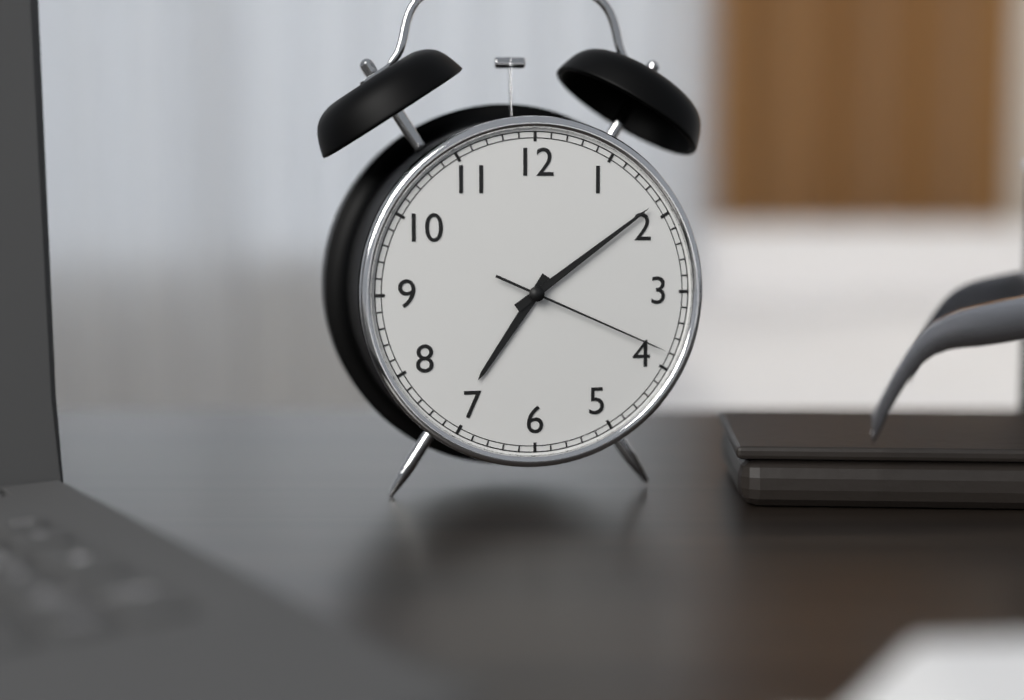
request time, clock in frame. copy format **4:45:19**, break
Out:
**7:09:19**
